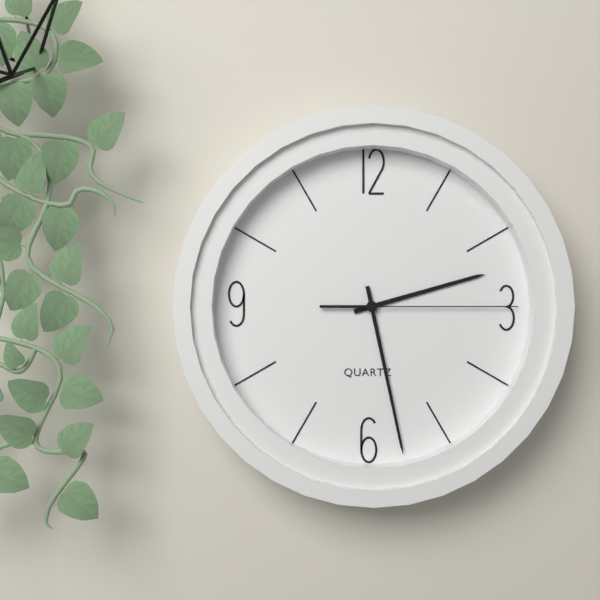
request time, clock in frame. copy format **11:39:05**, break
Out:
**2:28:15**
